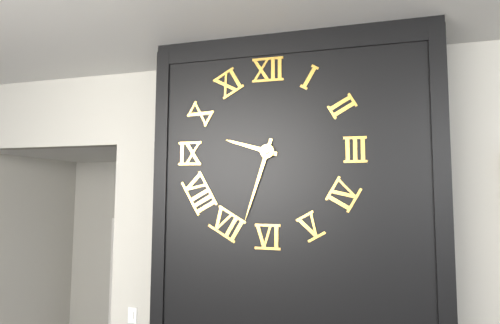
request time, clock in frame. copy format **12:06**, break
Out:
**9:33**
